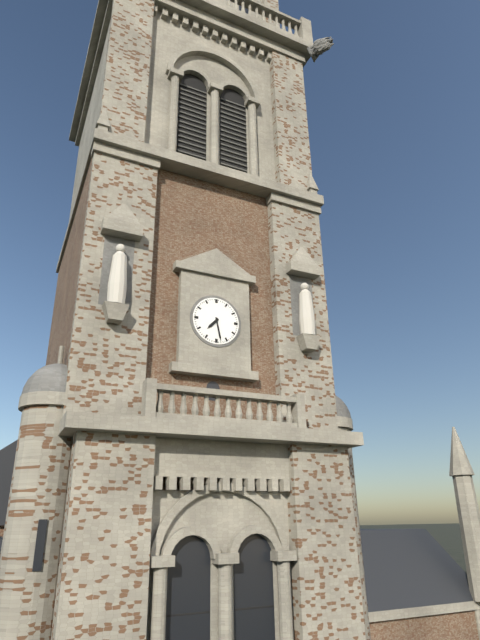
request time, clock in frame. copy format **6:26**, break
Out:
**7:28**
